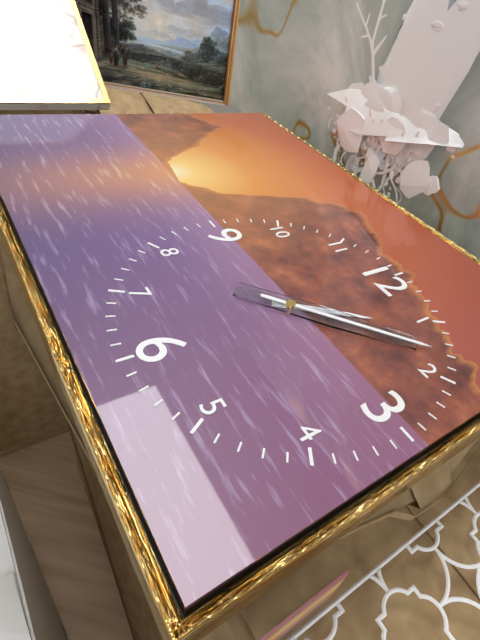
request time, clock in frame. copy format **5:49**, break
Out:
**1:08**
